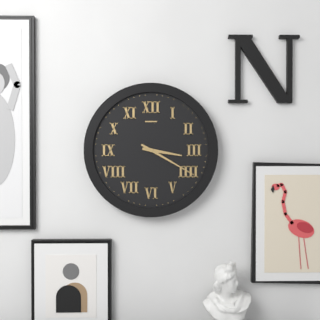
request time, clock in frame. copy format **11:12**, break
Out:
**3:20**
